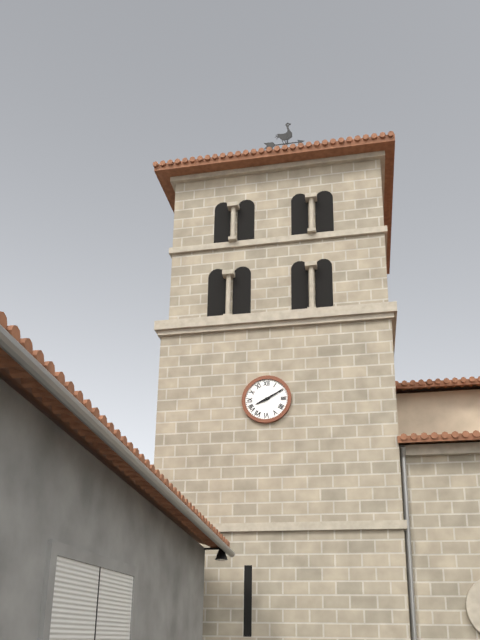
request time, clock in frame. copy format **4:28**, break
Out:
**8:10**
